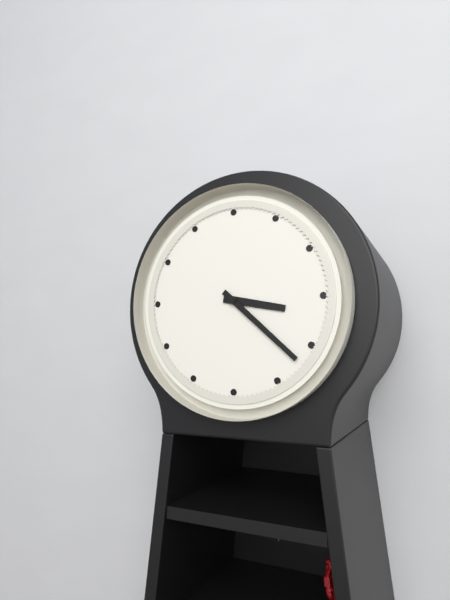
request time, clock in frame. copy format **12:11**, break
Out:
**3:22**
